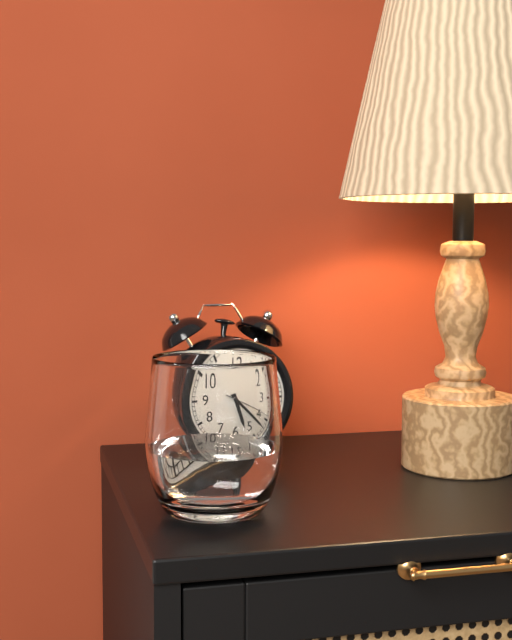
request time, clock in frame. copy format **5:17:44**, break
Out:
**5:22:19**
